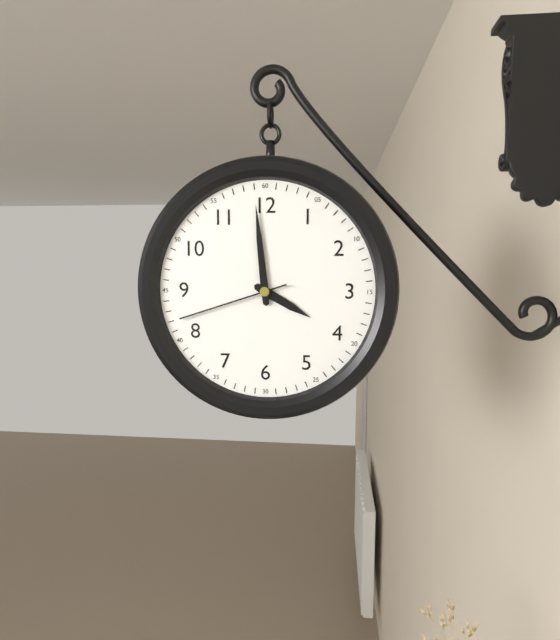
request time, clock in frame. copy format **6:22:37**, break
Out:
**3:59:42**
